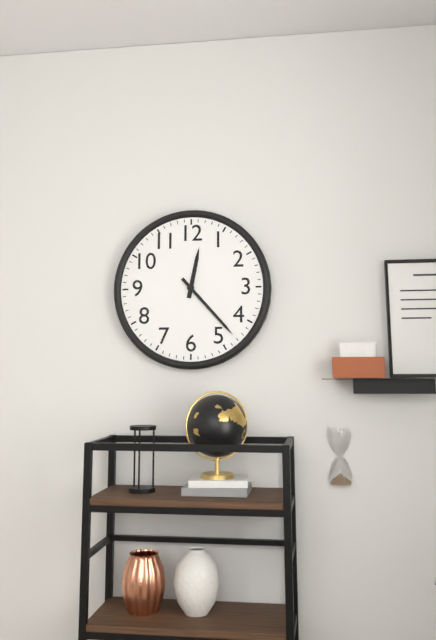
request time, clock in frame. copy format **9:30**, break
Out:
**12:23**
